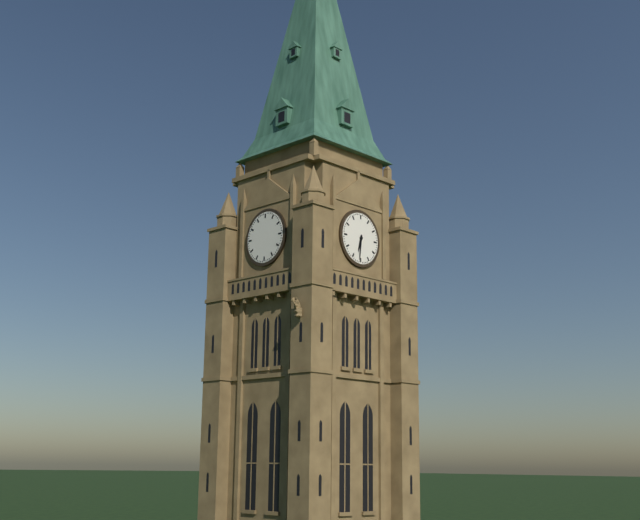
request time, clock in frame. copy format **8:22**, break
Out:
**6:31**
